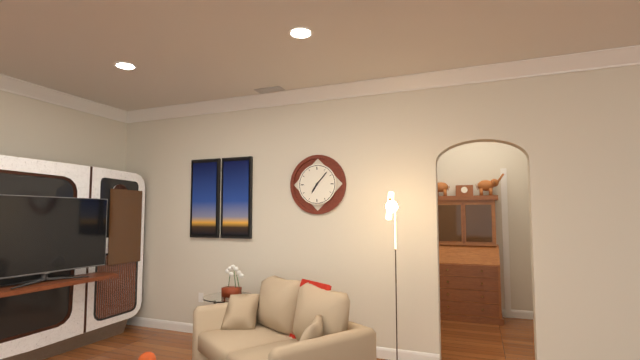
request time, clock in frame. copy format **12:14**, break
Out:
**7:07**
